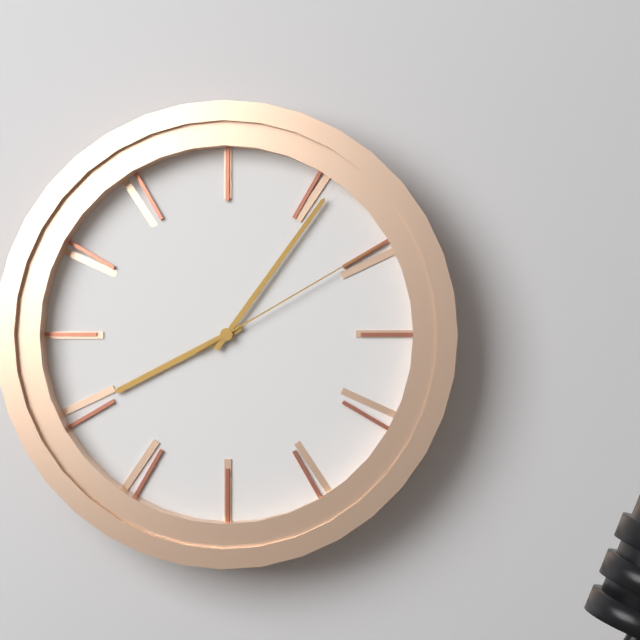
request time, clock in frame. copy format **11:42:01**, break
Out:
**8:06:10**
